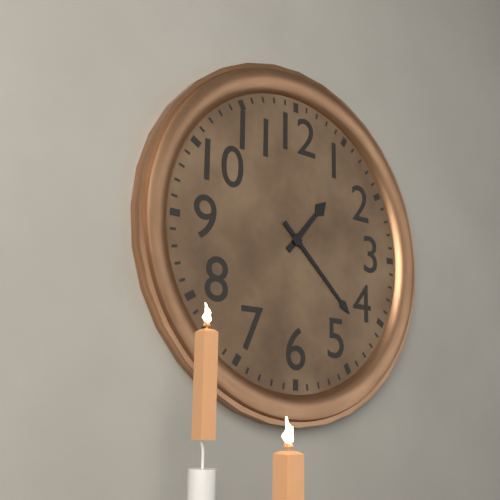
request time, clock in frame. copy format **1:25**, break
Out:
**1:22**
